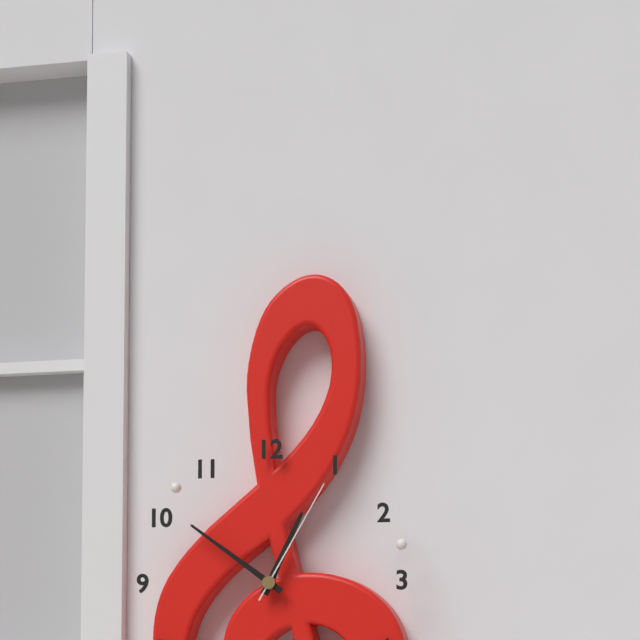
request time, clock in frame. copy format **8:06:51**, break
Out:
**12:51:05**
